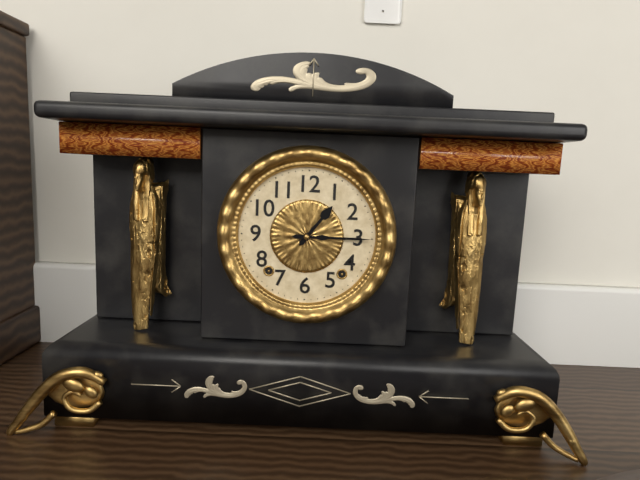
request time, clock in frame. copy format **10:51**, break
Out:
**1:15**
